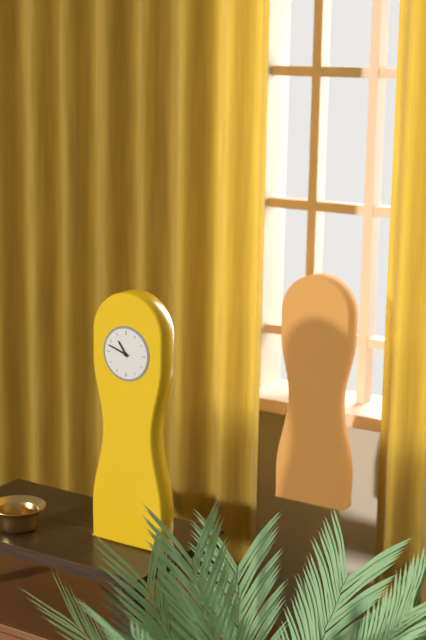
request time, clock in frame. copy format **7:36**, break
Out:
**10:48**
